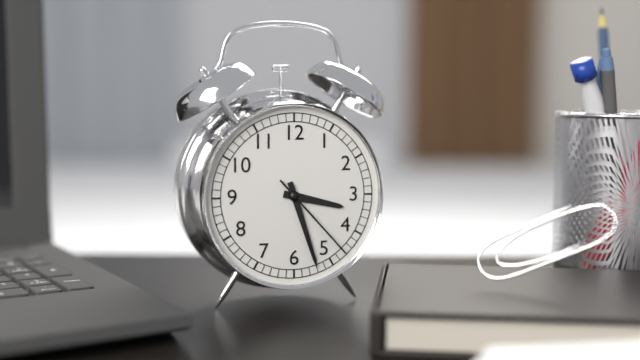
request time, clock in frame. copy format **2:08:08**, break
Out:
**3:27:23**
